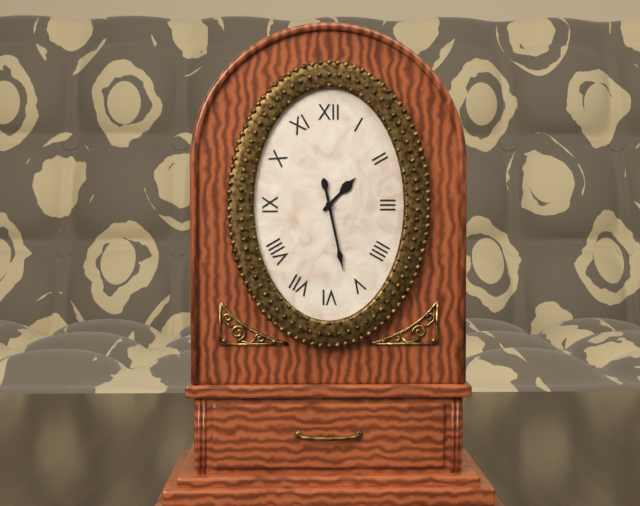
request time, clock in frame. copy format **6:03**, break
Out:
**1:28**
